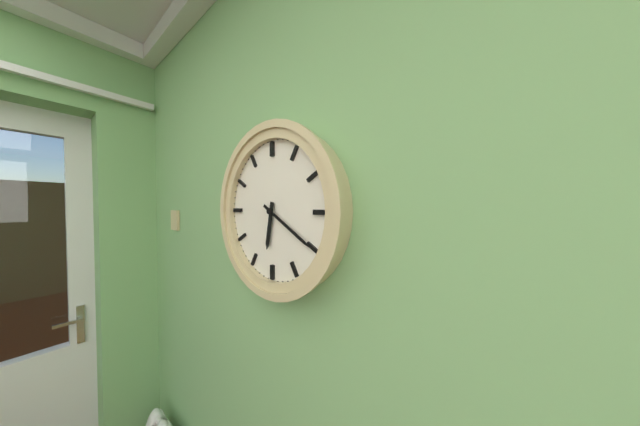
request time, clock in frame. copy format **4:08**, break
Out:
**6:20**
